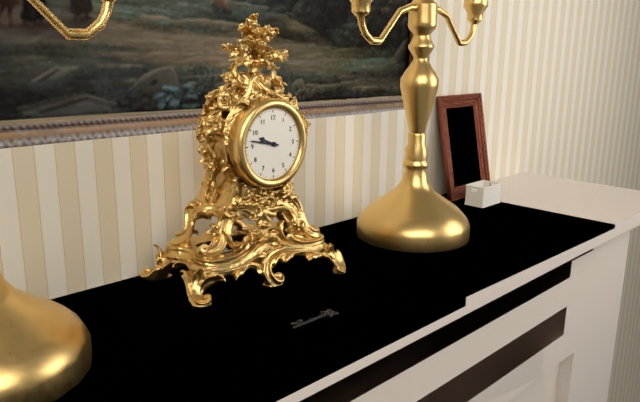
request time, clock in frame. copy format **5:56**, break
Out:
**9:47**
